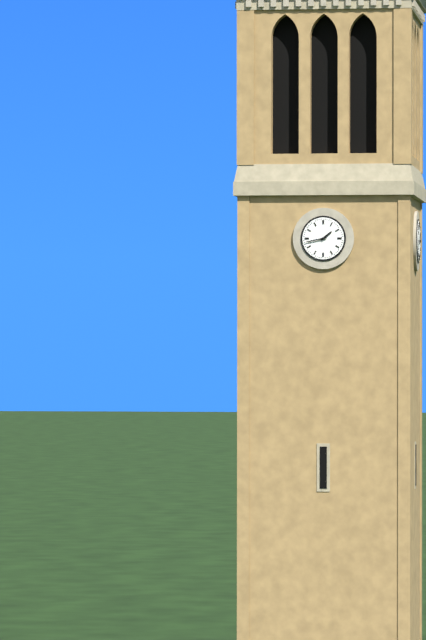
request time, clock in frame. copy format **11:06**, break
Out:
**1:43**
